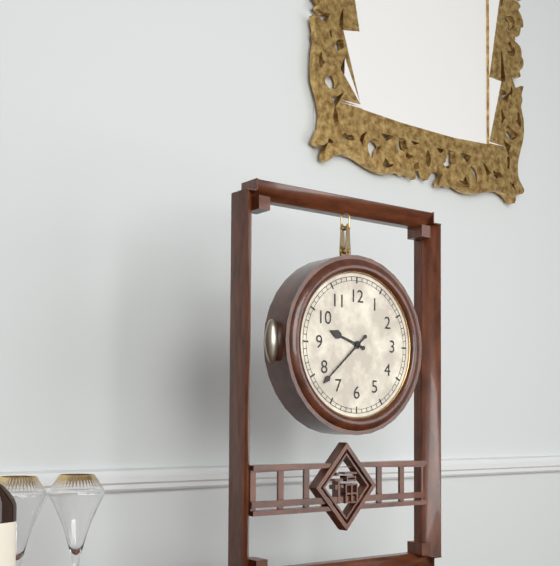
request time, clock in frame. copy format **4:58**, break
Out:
**9:38**
